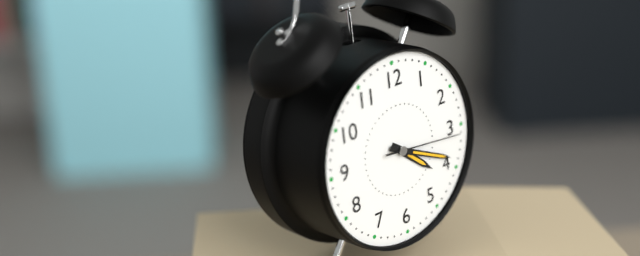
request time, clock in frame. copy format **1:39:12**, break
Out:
**4:19:16**
